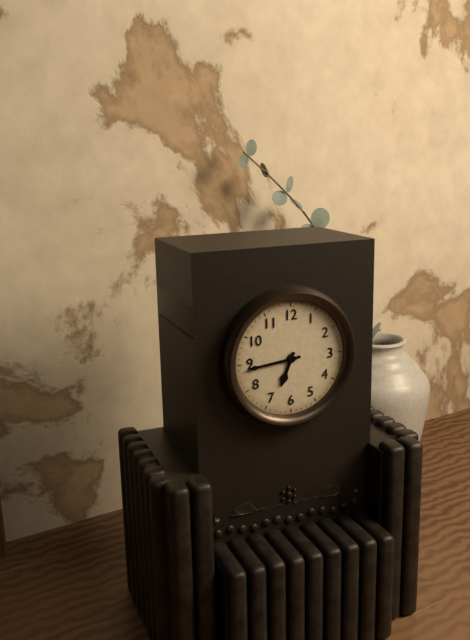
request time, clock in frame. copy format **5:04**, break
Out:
**6:44**
